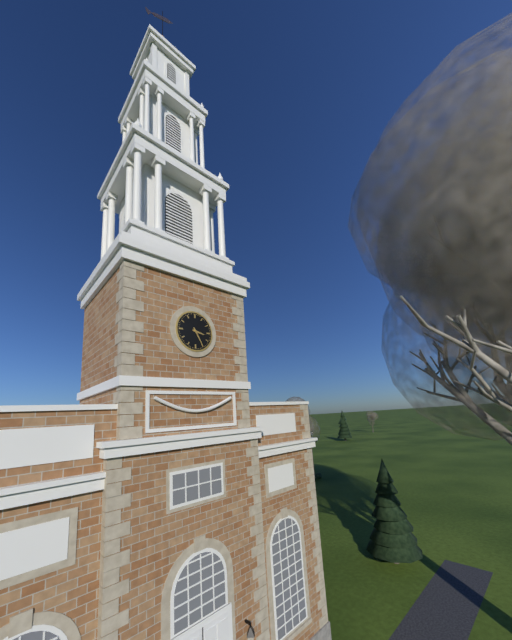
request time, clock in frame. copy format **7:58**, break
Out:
**3:25**
